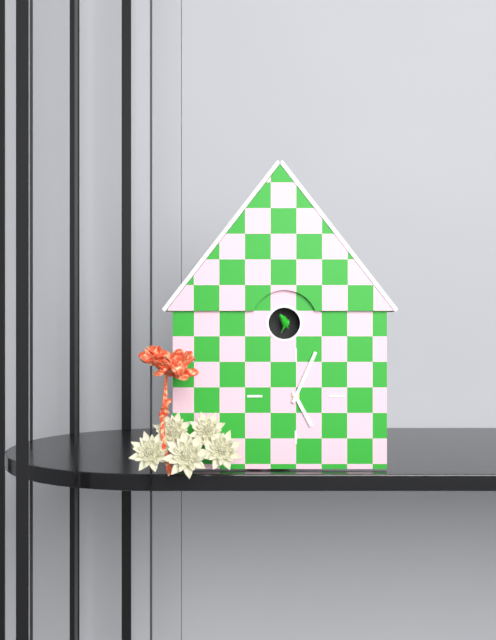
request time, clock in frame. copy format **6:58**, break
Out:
**5:04**
